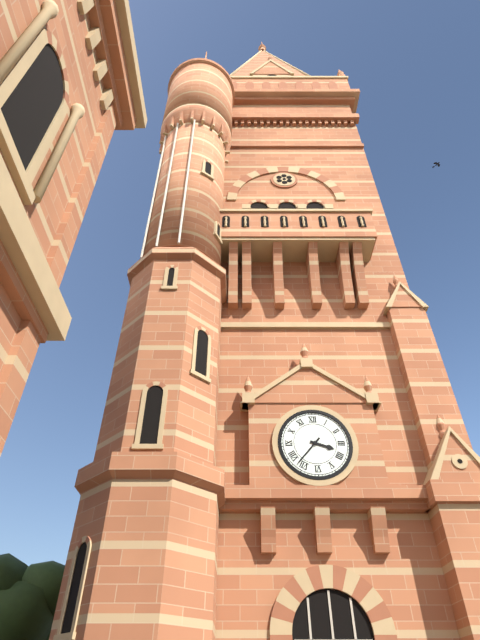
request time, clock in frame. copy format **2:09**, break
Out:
**3:37**
